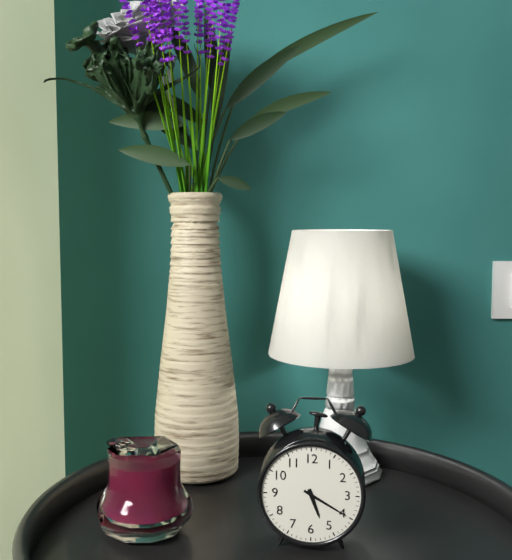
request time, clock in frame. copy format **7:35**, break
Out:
**5:20**
